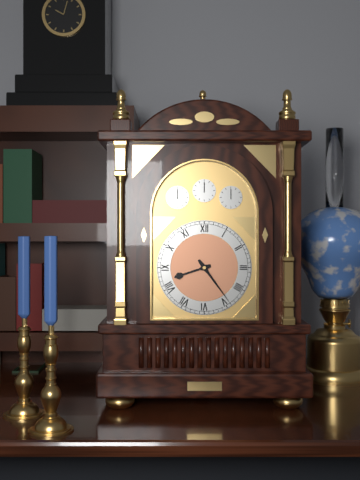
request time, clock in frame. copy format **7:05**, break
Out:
**8:24**
